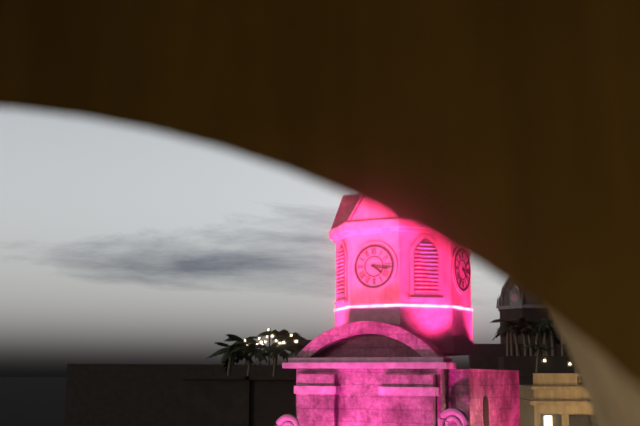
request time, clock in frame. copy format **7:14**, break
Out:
**4:17**
